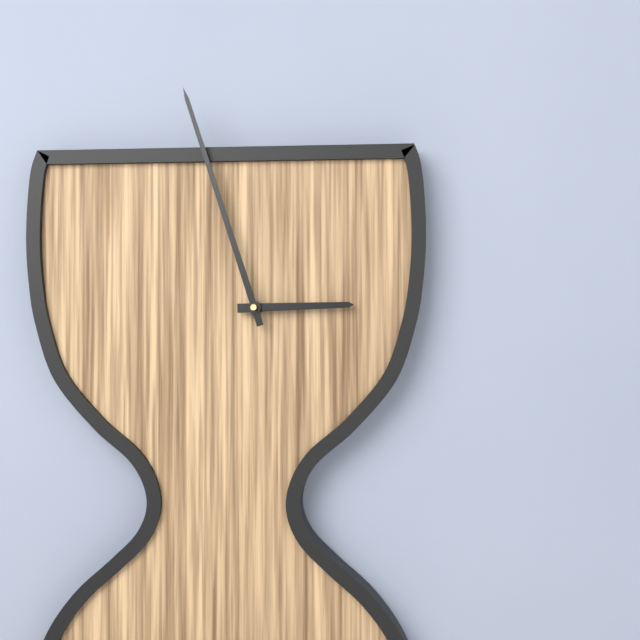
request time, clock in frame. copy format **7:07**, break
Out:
**2:57**
